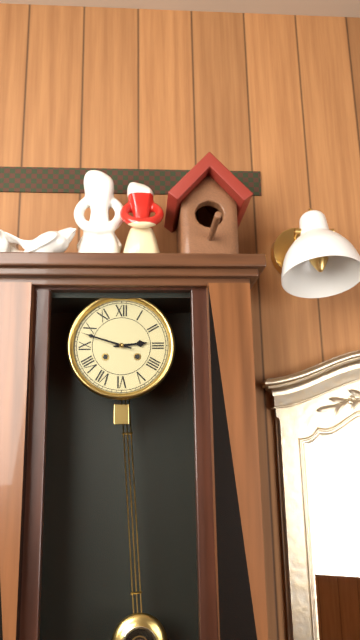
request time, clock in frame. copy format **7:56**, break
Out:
**2:48**
